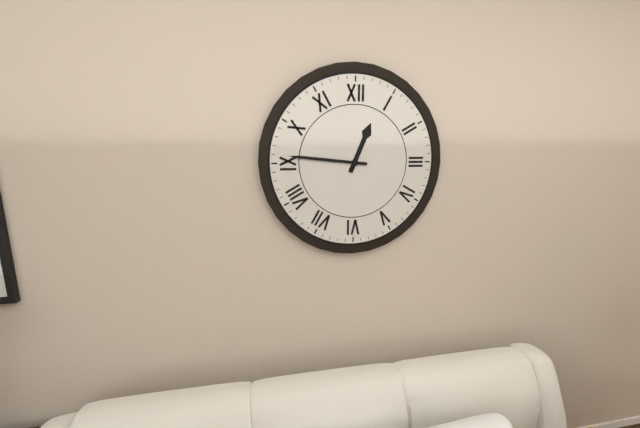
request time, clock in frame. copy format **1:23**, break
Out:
**12:46**
